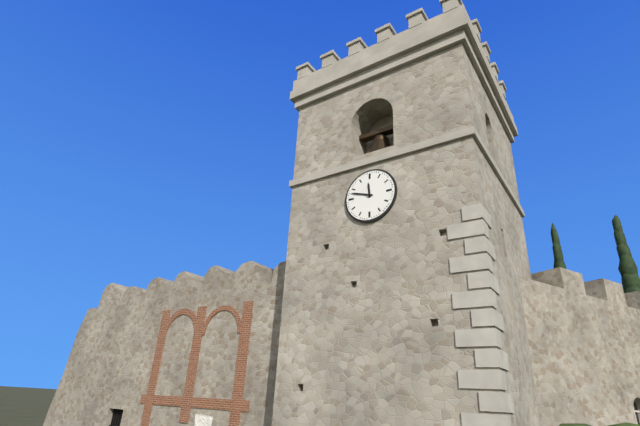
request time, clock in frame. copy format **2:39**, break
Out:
**11:48**
